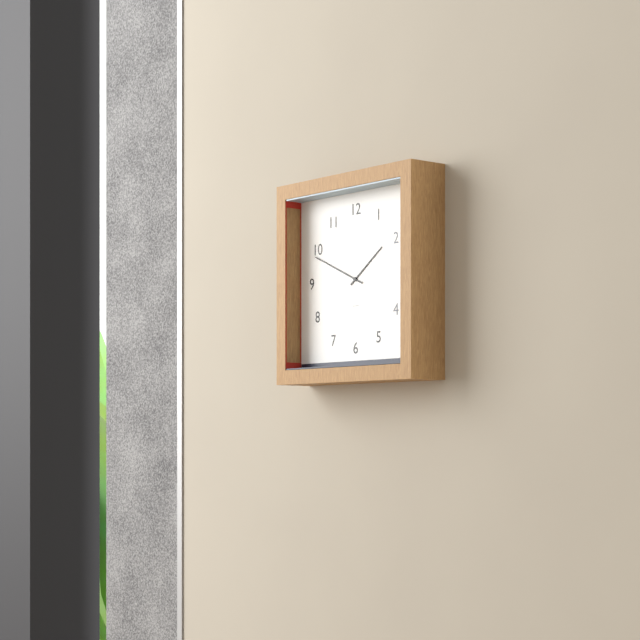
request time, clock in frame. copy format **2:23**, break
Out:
**1:49**
